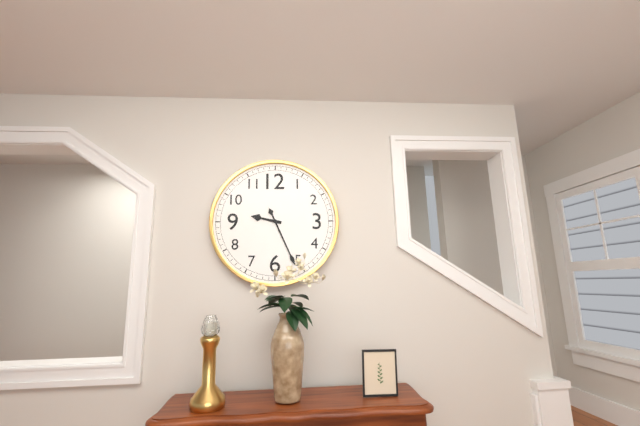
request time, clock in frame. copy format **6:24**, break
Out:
**9:26**
